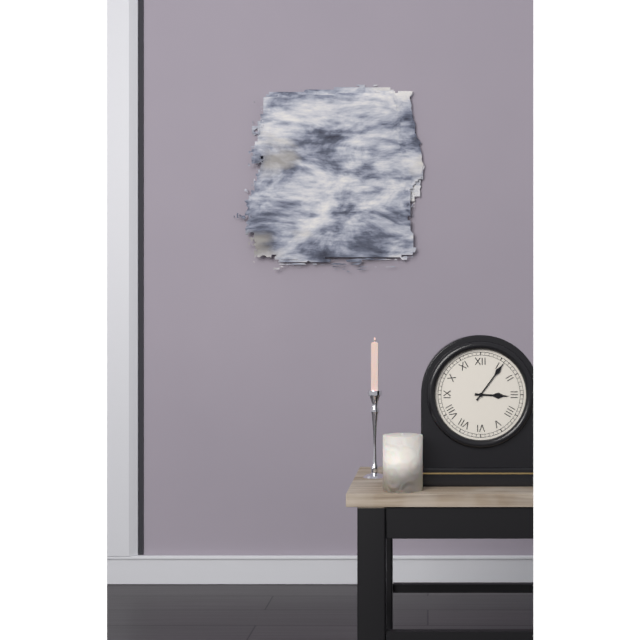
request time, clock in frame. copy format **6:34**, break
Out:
**3:06**
